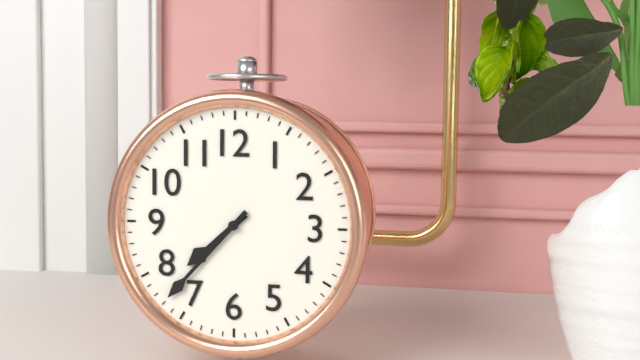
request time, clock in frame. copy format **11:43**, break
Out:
**7:37**
